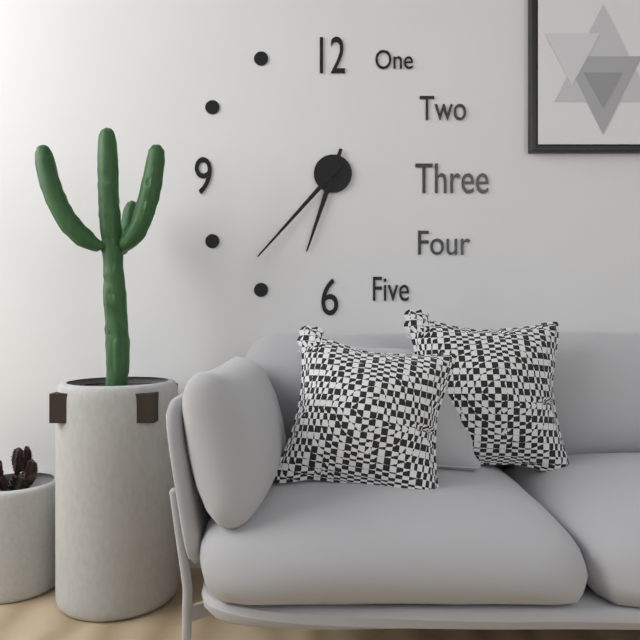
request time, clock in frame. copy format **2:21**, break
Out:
**6:37**
